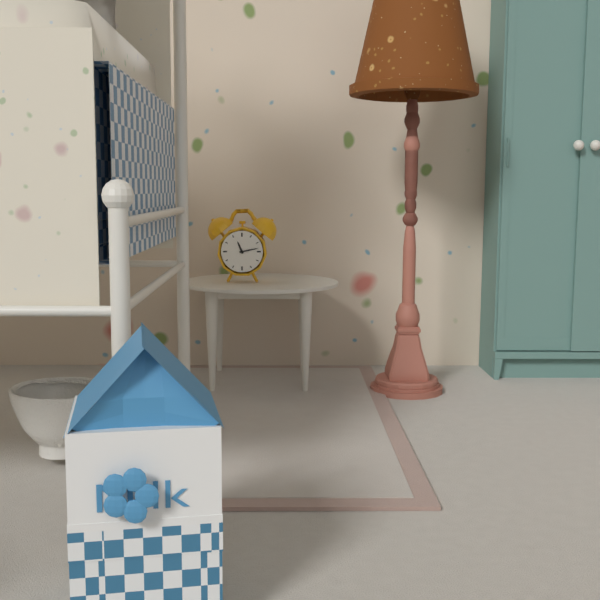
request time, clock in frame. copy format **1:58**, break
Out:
**11:13**
